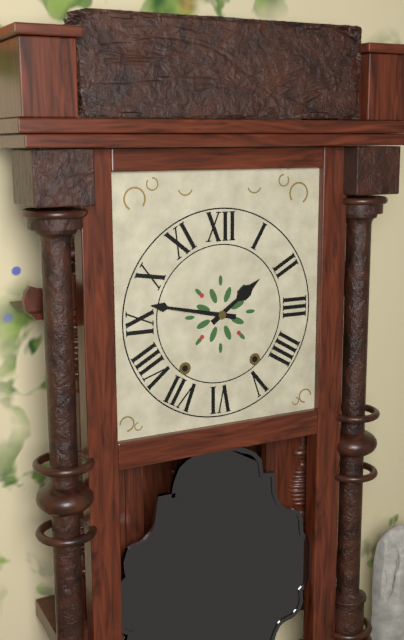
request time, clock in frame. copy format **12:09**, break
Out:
**1:47**
